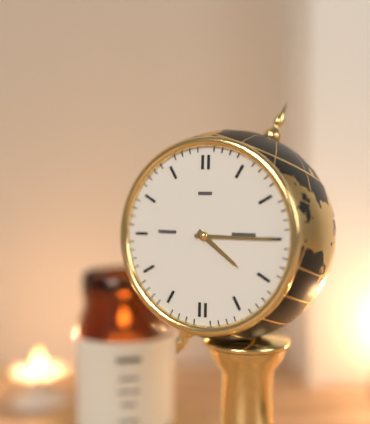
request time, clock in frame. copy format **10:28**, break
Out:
**4:15**
